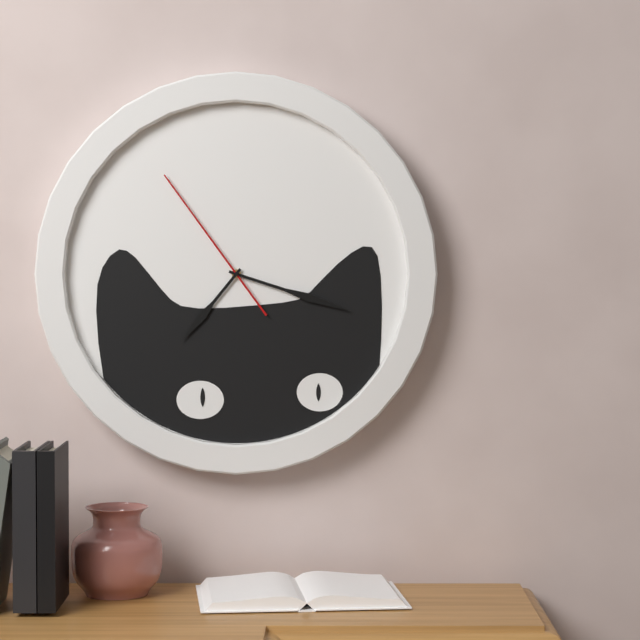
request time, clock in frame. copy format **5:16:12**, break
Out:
**7:18:54**
